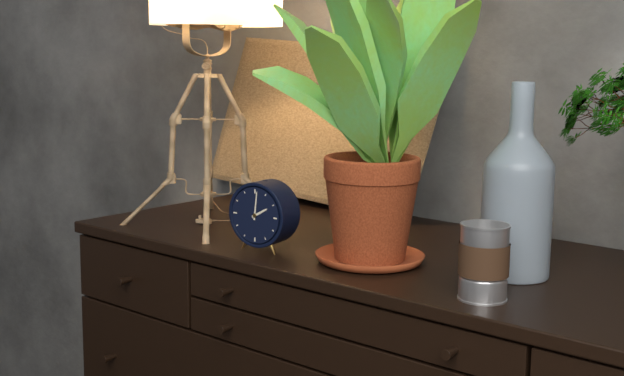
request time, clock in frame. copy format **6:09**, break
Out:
**2:01**
